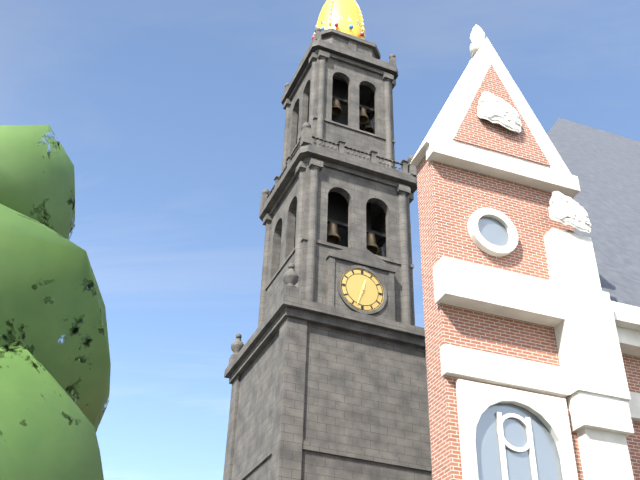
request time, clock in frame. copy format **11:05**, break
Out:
**12:33**
